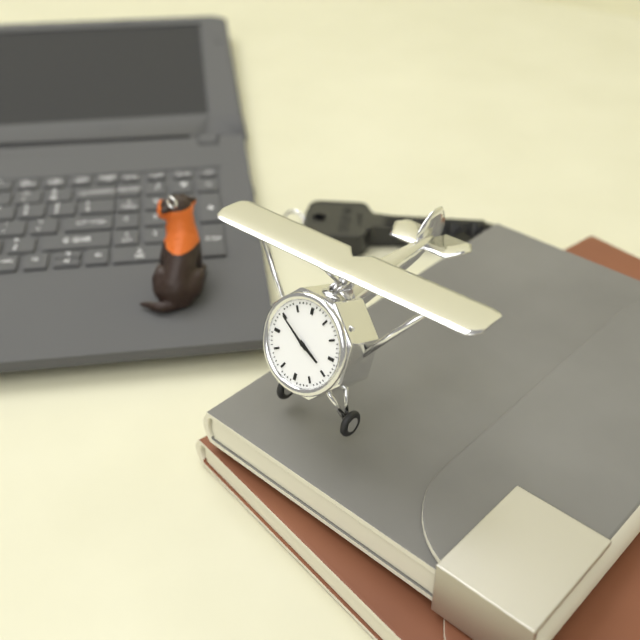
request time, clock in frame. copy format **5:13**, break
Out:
**3:50**
